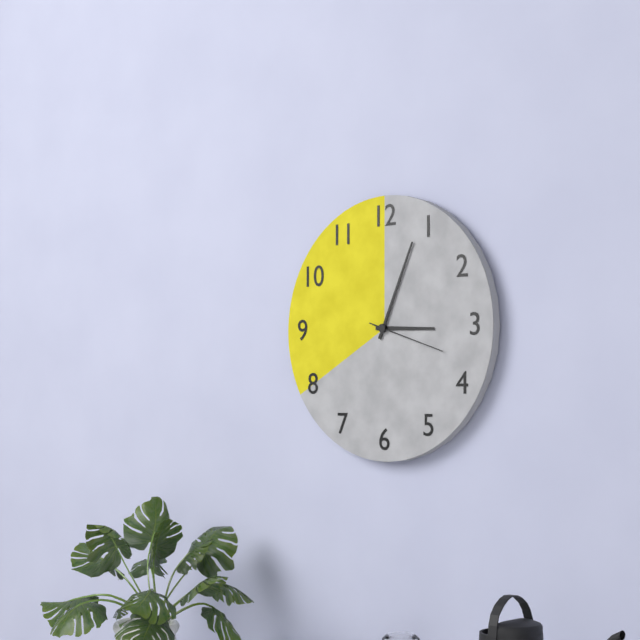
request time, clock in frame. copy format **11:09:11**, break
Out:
**3:04:18**
